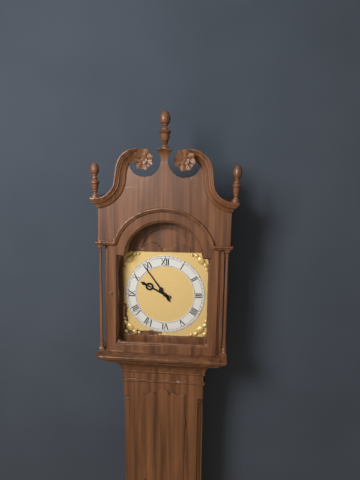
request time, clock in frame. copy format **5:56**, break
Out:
**9:54**
